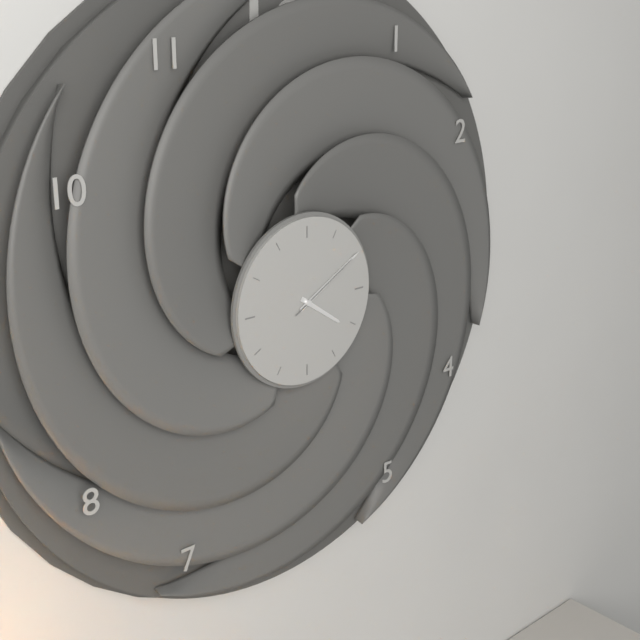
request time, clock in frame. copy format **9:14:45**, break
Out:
**4:10:10**
